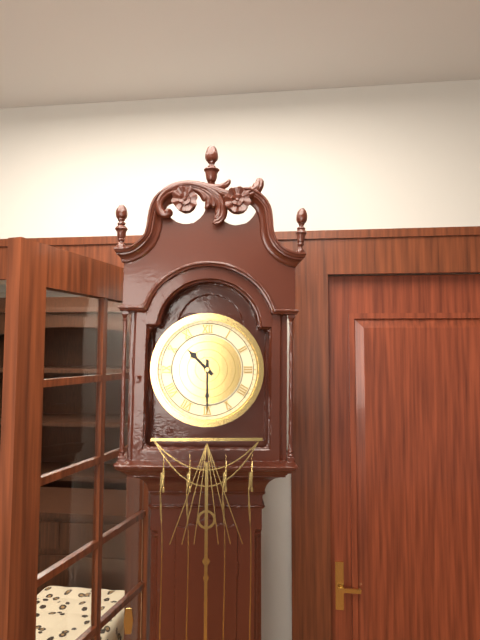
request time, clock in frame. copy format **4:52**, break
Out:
**10:30**
